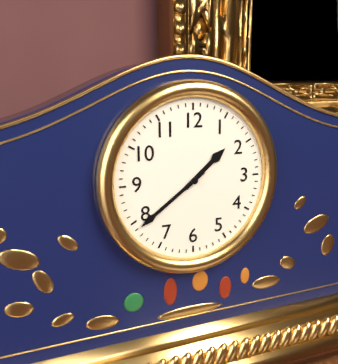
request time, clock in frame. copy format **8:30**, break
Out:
**1:39**
